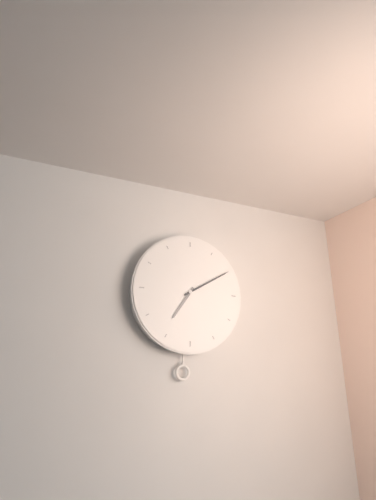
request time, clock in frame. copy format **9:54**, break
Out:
**7:10**
